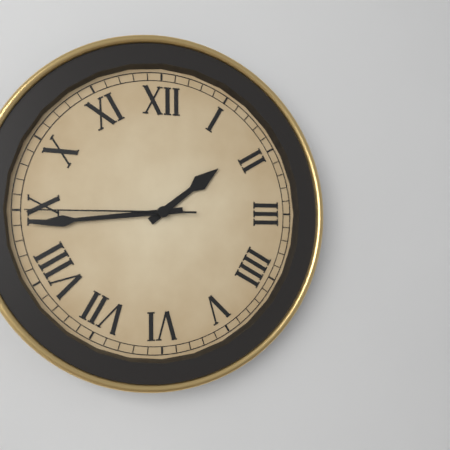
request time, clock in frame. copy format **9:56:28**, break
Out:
**1:44:45**
